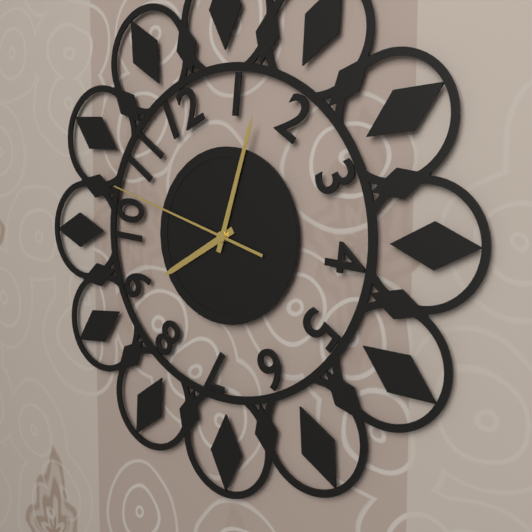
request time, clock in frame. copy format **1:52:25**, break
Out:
**8:03:48**
